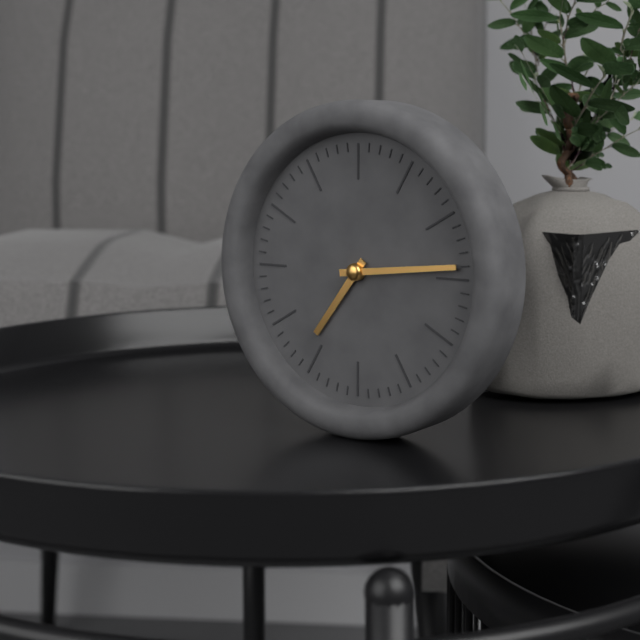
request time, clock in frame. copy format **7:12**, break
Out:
**7:14**
